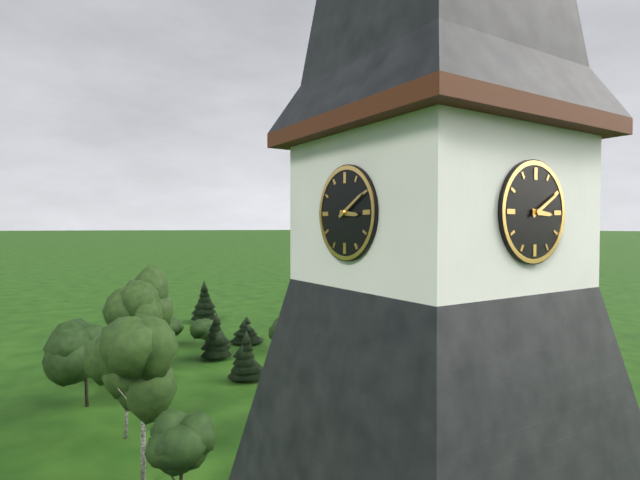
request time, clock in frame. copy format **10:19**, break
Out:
**3:10**
